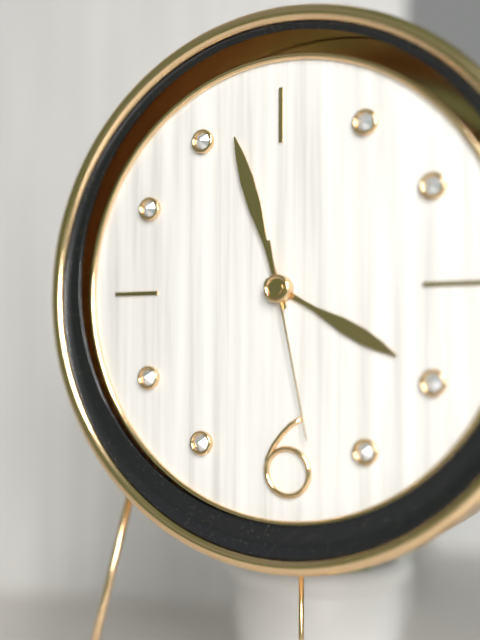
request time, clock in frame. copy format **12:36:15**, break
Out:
**3:57:28**
